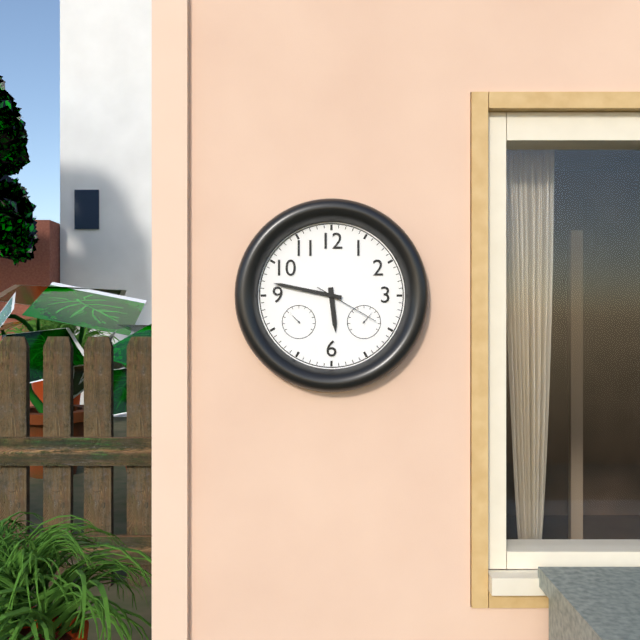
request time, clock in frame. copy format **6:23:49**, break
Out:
**5:47:20**
